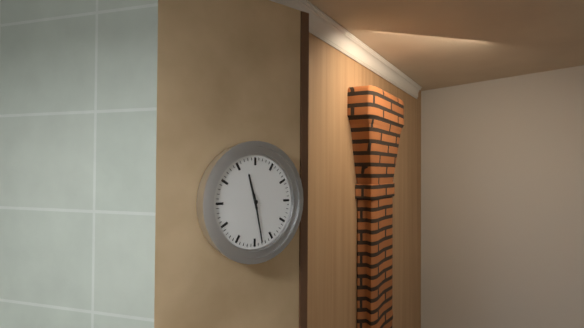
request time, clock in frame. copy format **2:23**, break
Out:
**11:28**
